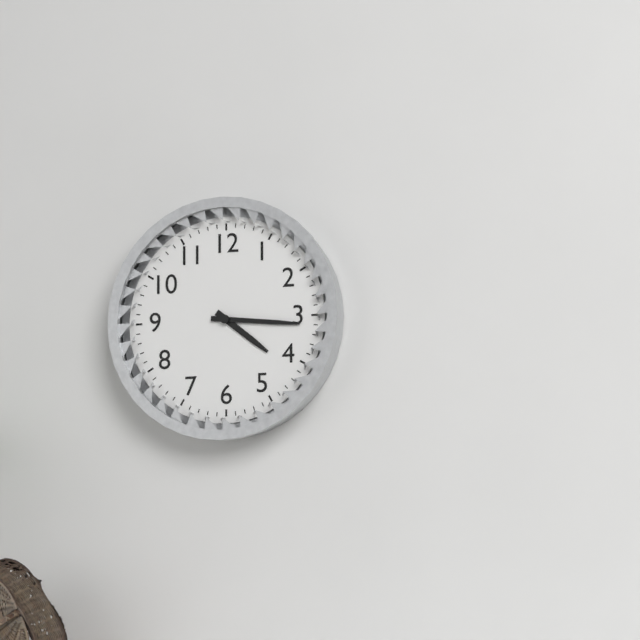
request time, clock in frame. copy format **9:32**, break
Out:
**4:16**
